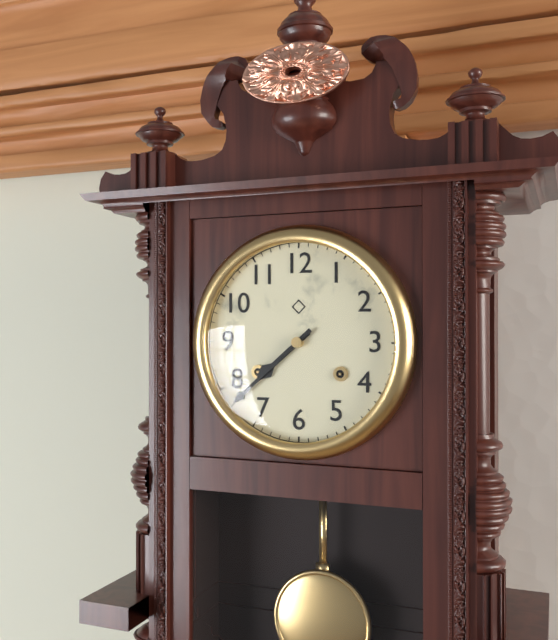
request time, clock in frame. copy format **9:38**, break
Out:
**7:38**
